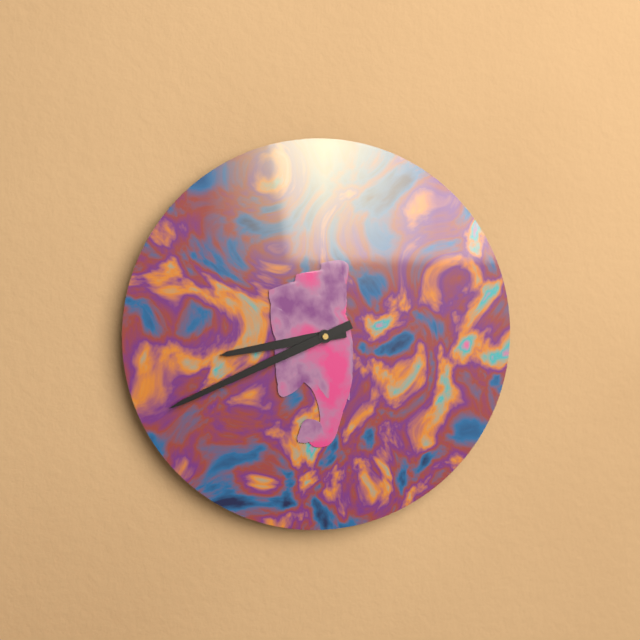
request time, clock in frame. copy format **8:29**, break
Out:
**8:41**
